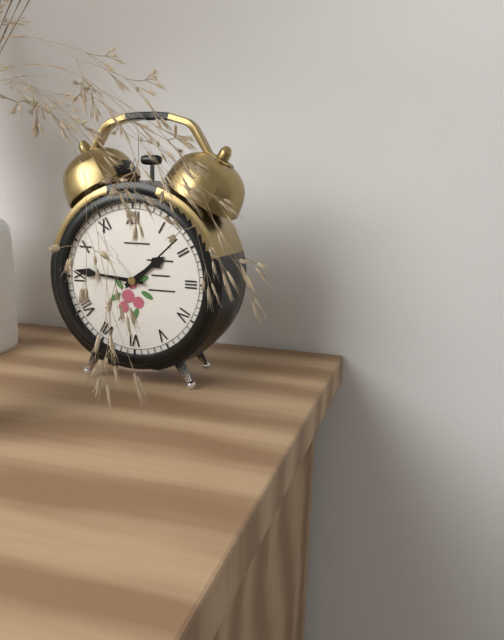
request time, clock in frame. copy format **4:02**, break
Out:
**1:46**
